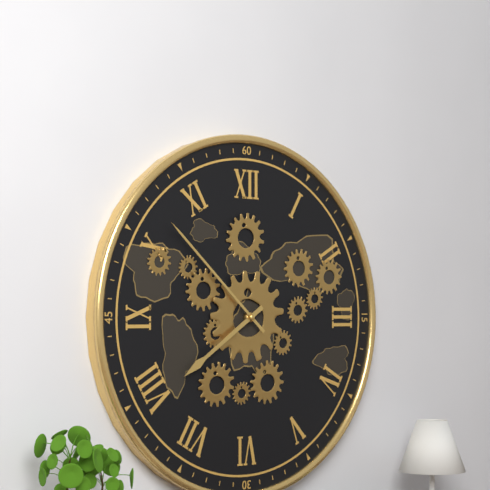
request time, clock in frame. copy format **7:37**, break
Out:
**7:52**
